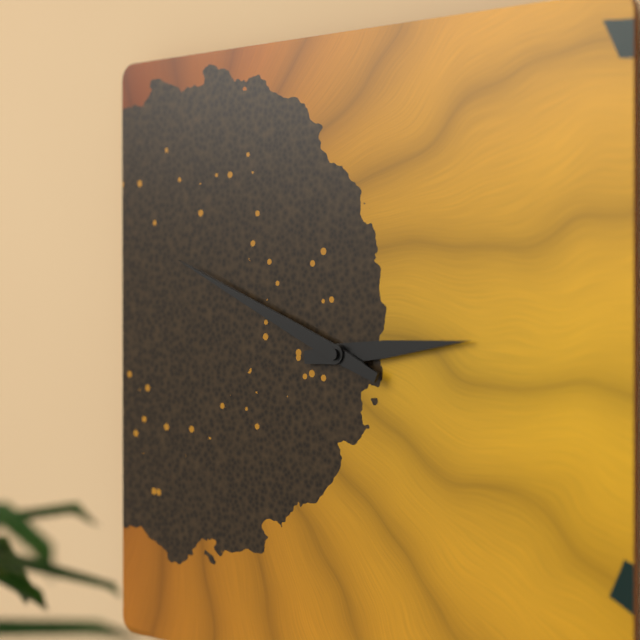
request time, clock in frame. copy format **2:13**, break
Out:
**2:49**
